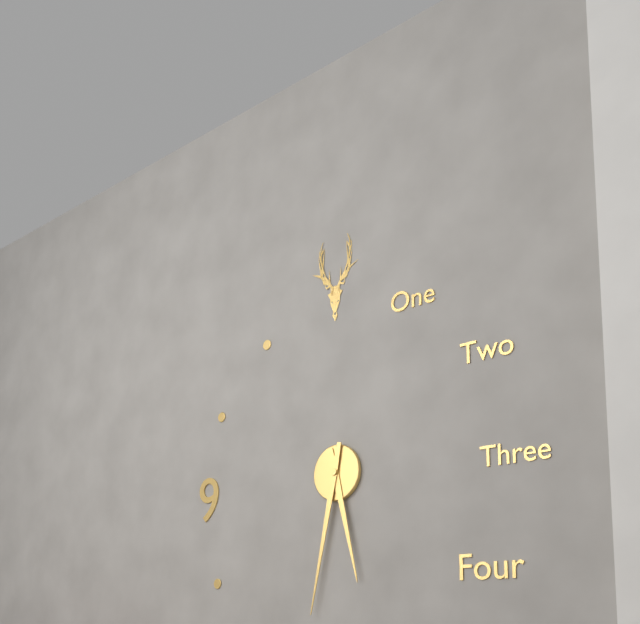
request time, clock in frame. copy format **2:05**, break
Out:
**5:32**
